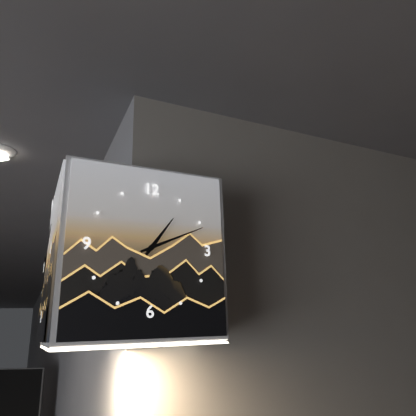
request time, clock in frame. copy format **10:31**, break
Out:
**1:11**
